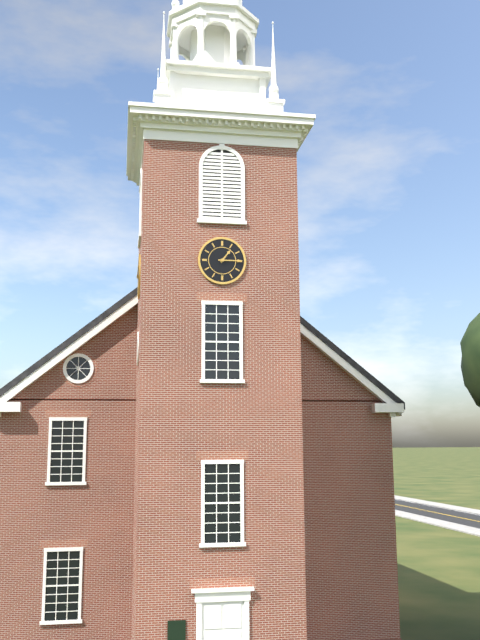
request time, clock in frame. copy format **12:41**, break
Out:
**1:15**
